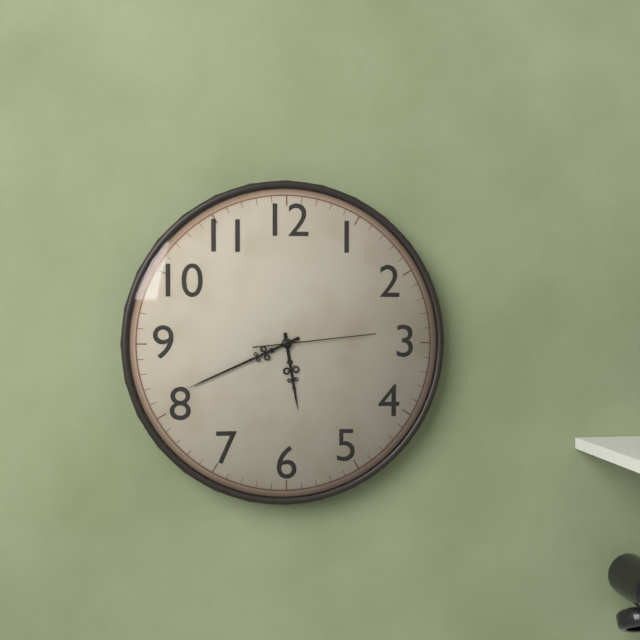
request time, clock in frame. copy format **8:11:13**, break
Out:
**5:41:14**
